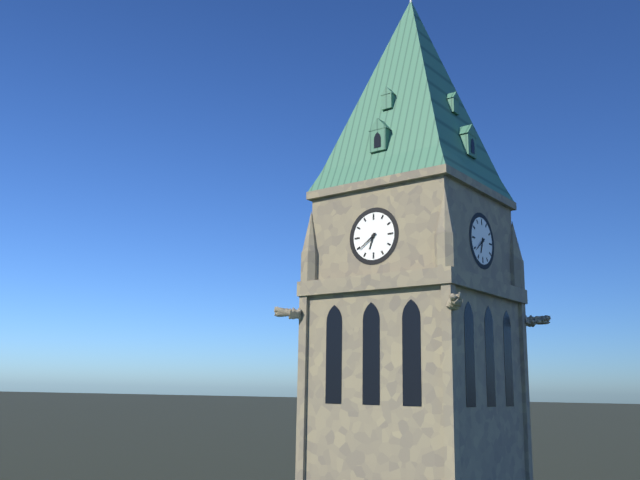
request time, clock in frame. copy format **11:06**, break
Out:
**6:39**
